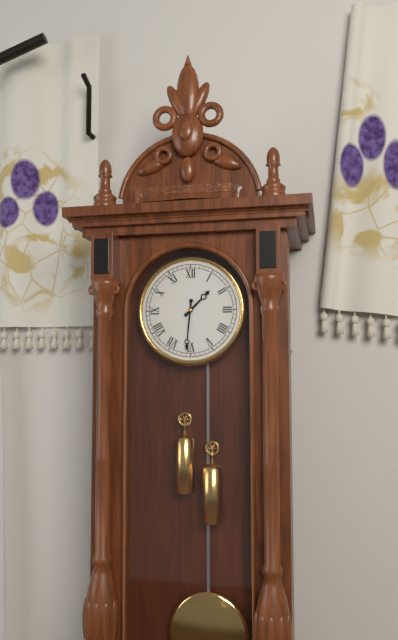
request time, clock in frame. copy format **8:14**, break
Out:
**1:31**
